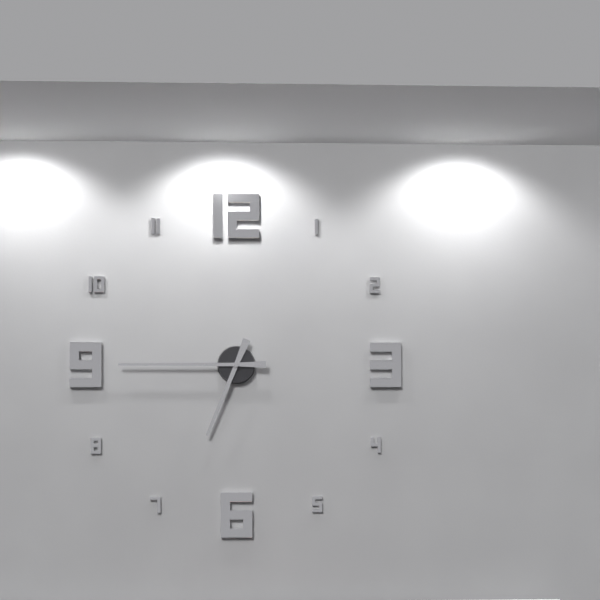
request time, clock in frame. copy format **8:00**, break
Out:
**6:45**
